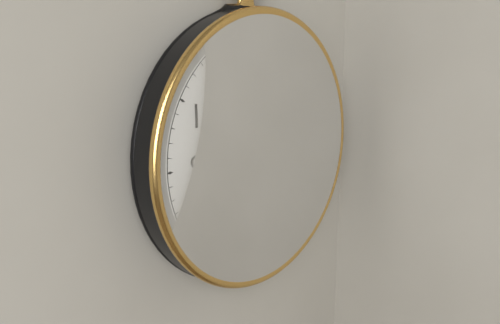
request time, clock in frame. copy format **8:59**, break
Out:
**12:41**
